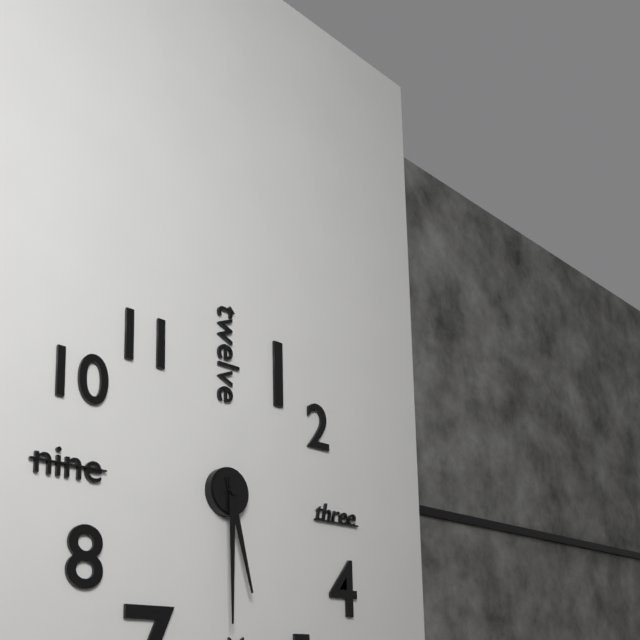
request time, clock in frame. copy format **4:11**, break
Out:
**5:30**
